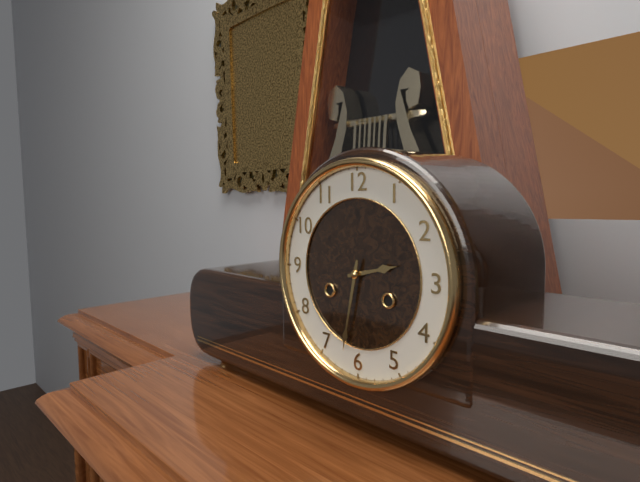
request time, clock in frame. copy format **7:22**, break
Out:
**2:32**
